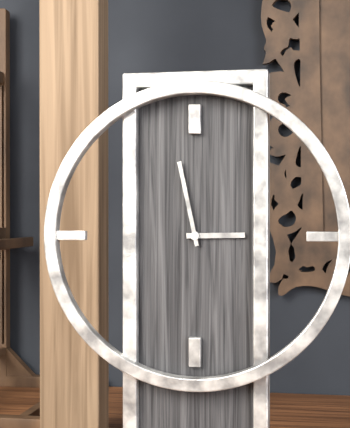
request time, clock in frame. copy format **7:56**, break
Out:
**2:58**
